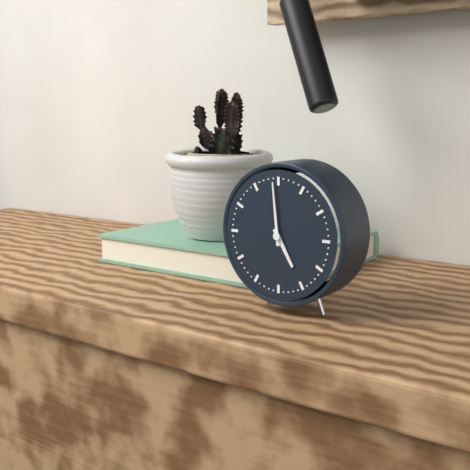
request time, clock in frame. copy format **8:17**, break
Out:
**4:59**
